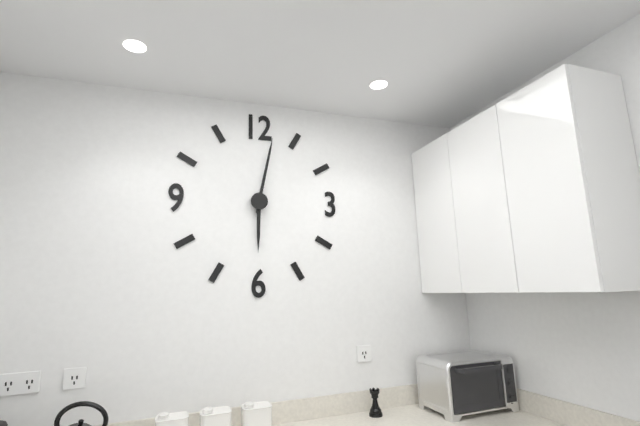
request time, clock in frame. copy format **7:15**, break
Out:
**6:02**
